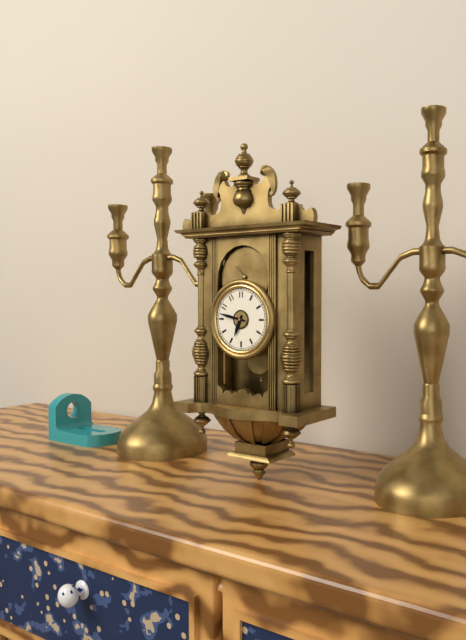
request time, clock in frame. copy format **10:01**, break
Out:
**6:47**
